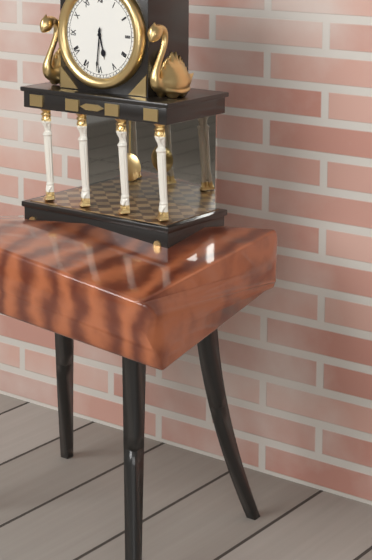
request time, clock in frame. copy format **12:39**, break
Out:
**5:31**
